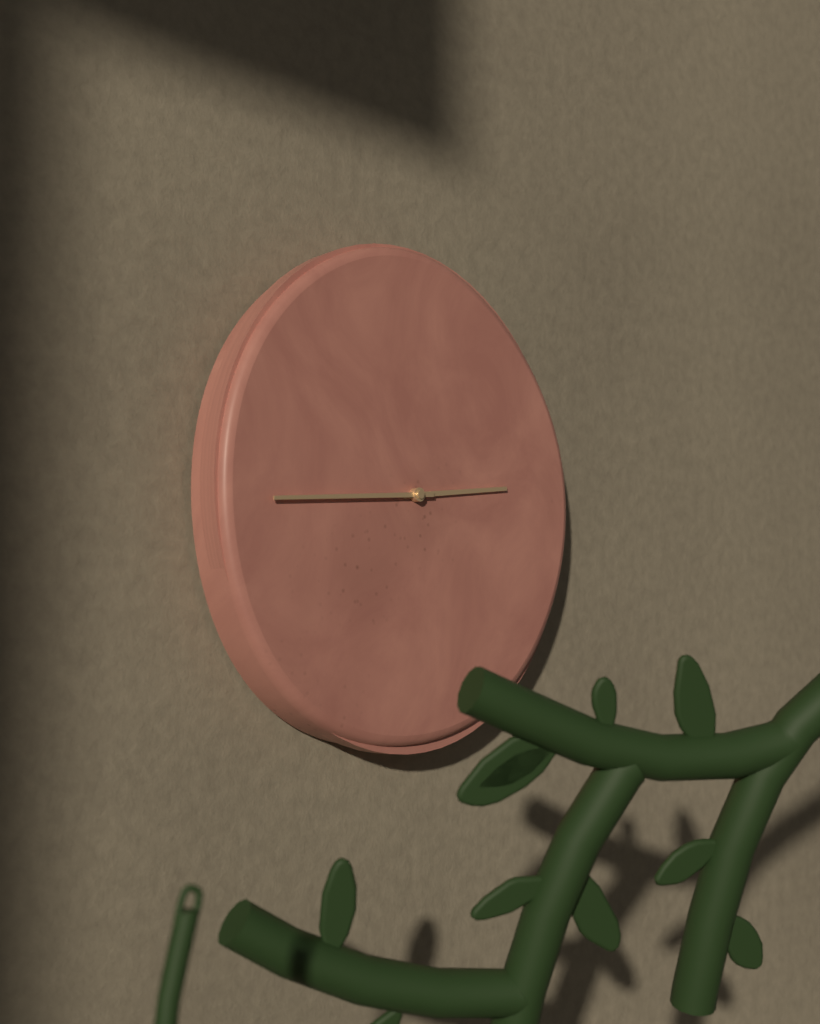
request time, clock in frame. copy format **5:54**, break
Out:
**2:44**
